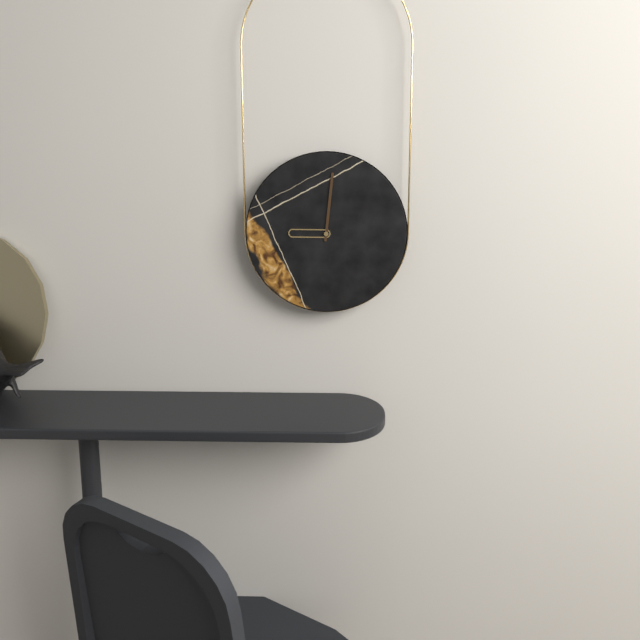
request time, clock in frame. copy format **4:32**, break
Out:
**9:01**
